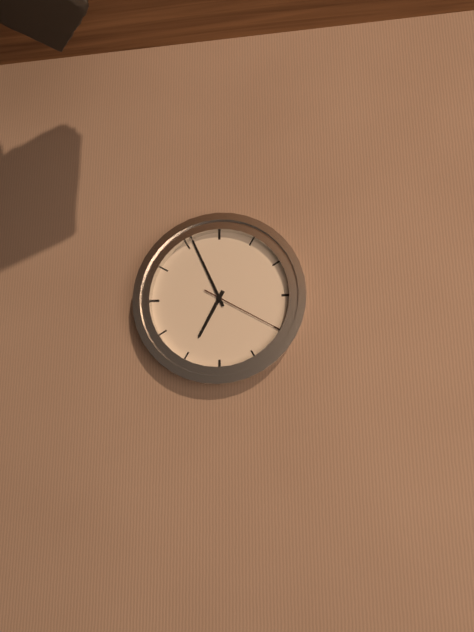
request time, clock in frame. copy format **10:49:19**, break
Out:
**6:56:20**
